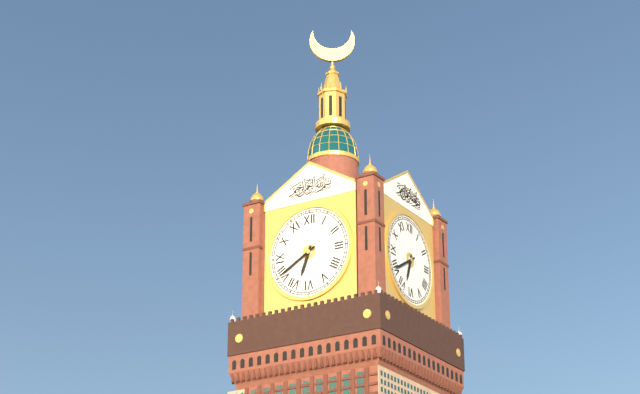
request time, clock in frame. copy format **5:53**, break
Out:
**6:40**
